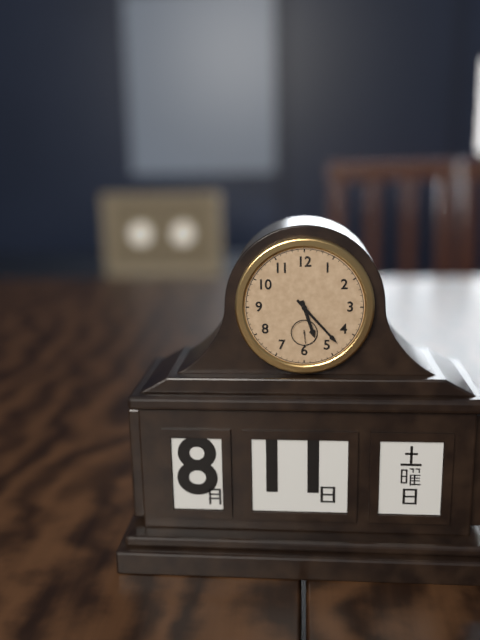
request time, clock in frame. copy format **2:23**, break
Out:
**5:23**
